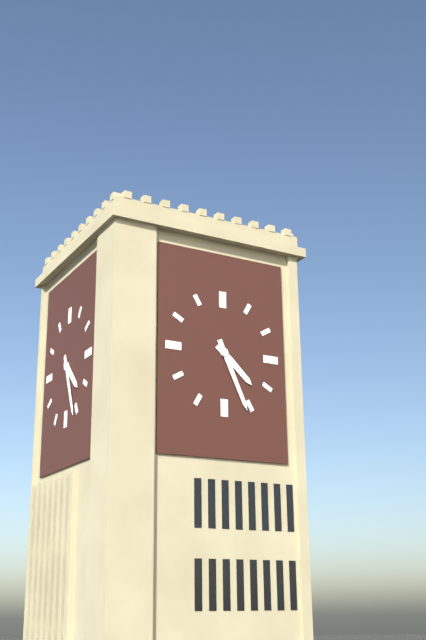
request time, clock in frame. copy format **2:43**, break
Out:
**4:26**
